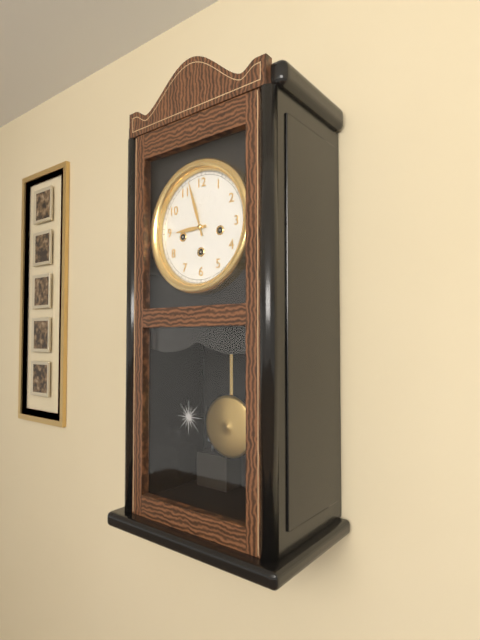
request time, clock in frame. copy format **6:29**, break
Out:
**8:57**
